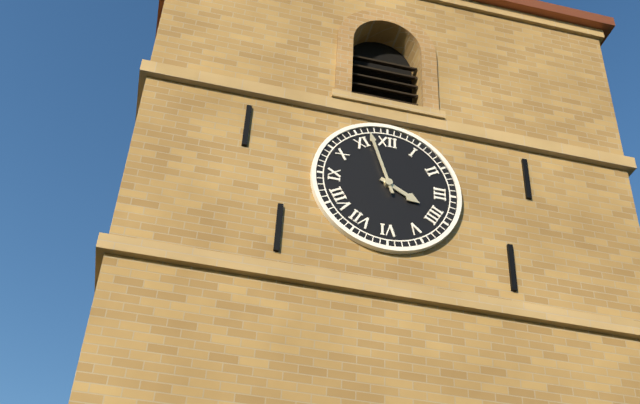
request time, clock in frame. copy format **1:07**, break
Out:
**3:57**
